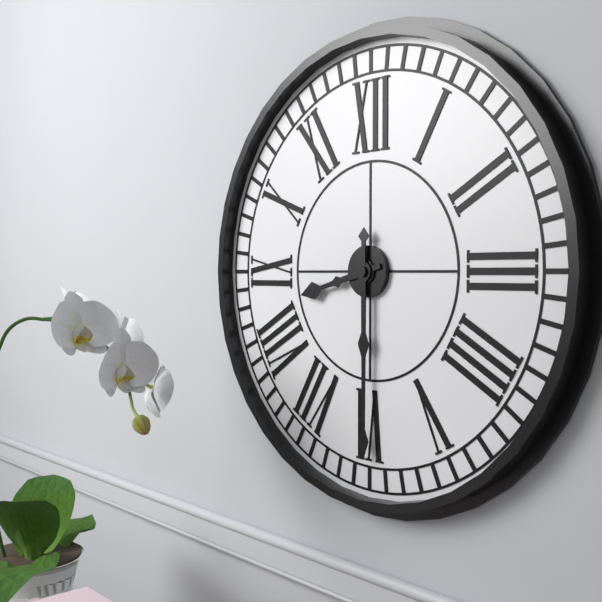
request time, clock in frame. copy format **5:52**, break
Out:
**8:30**
